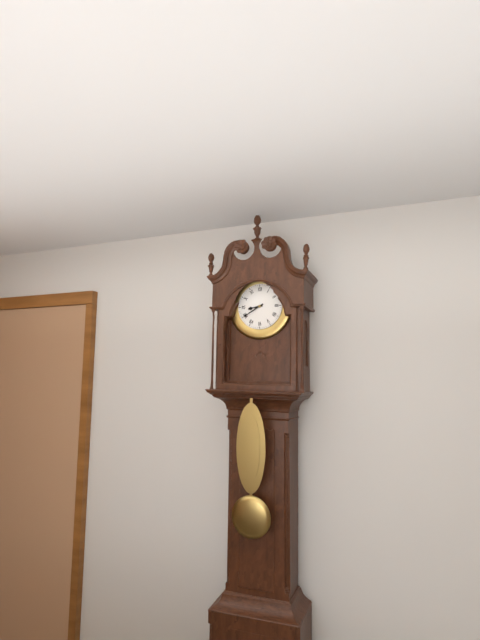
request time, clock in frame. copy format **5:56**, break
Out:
**8:40**
